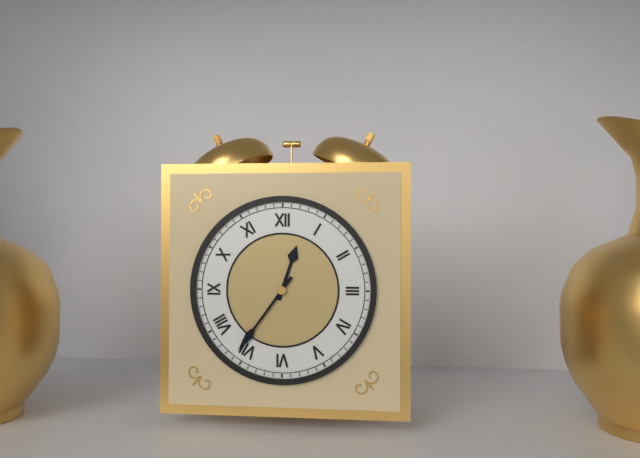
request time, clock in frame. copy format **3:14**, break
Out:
**12:36**
